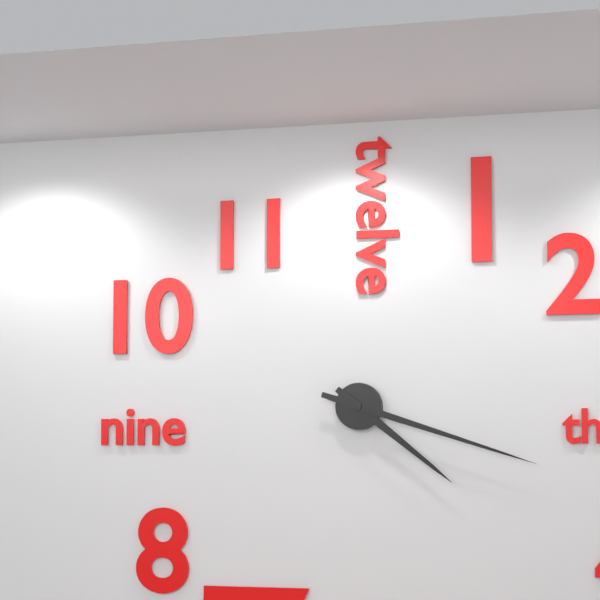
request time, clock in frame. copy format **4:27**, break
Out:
**4:18**
